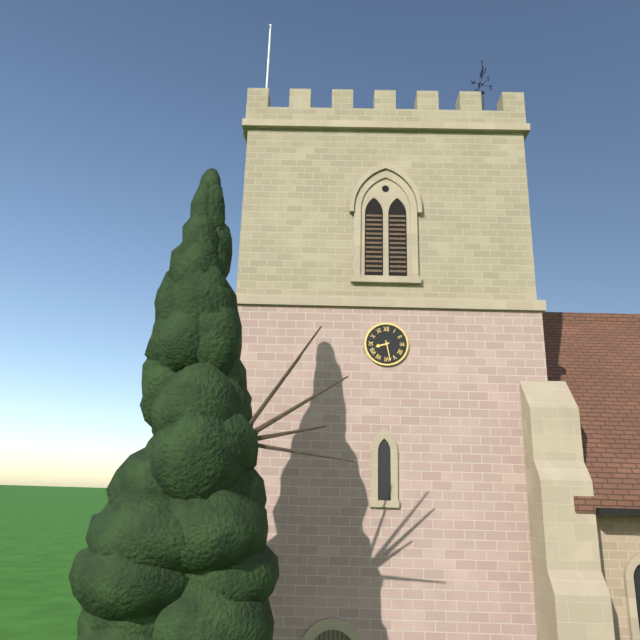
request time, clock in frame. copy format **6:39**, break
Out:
**8:28**
